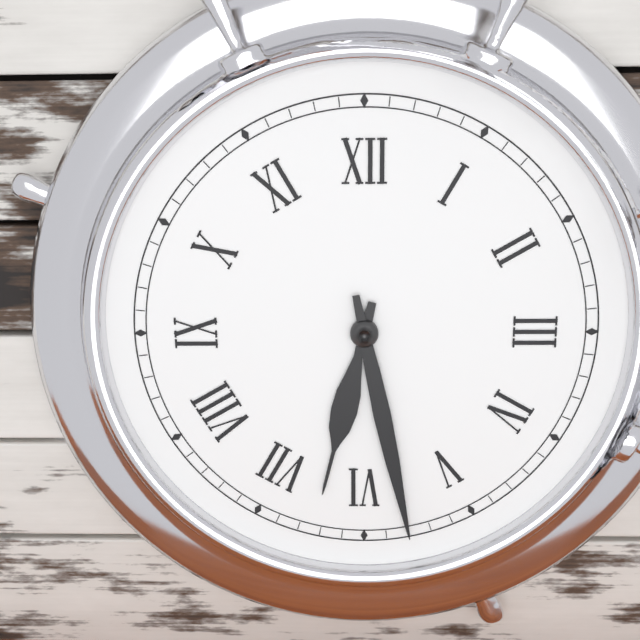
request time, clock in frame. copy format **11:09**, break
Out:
**6:28**
